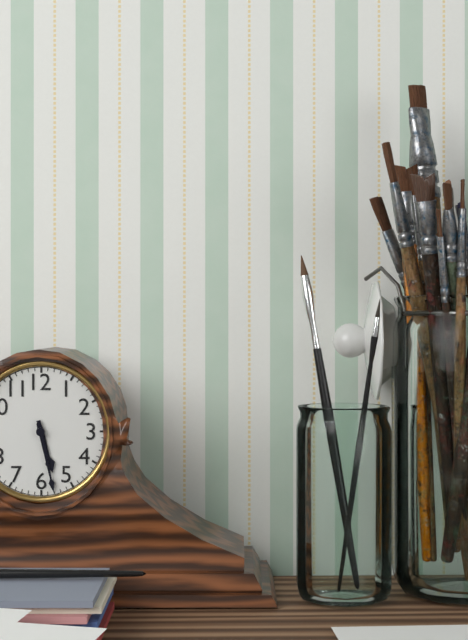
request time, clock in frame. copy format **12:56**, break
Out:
**5:28**
